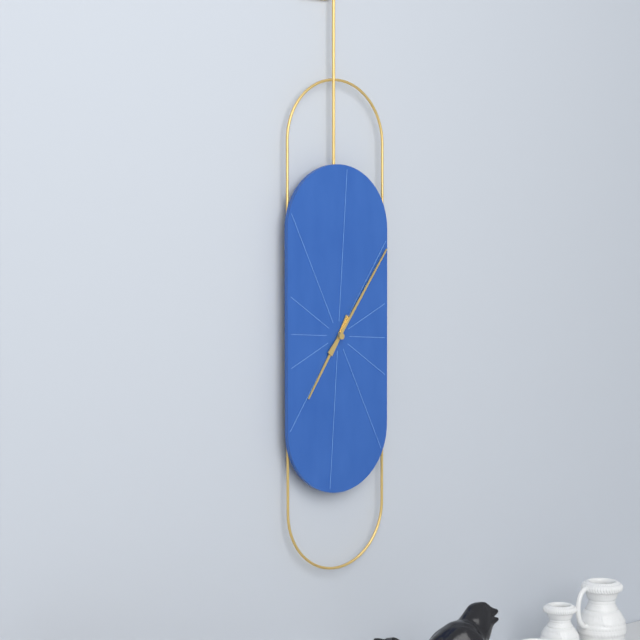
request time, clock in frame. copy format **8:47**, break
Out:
**7:06**
